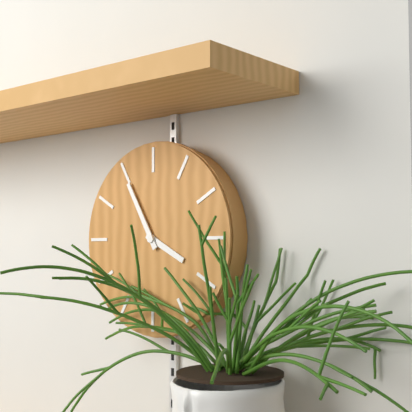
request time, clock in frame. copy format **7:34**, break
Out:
**3:55**
